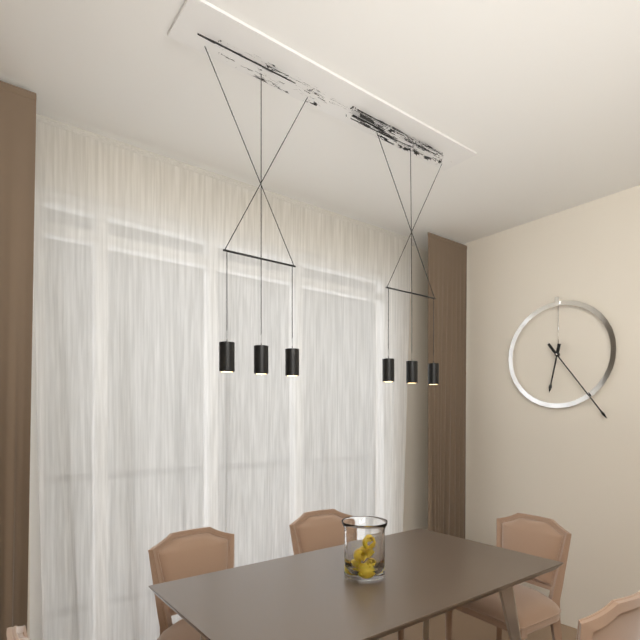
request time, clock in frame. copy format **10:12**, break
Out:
**6:24**
